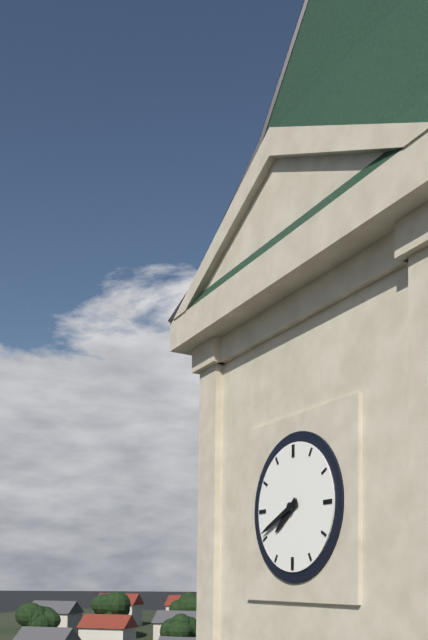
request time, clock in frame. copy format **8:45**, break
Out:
**7:41**
